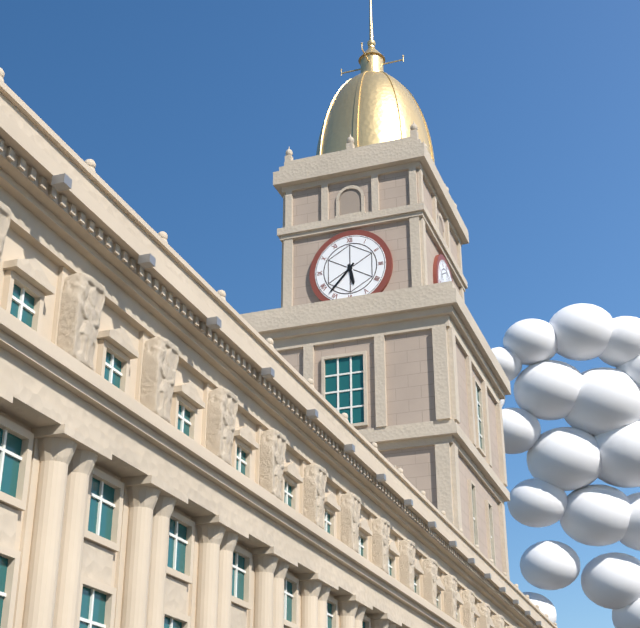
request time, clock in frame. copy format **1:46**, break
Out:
**5:37**
